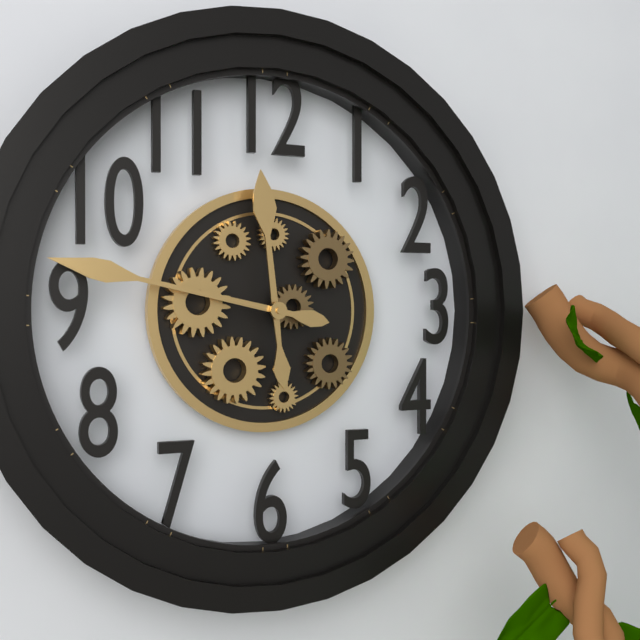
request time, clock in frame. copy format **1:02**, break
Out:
**11:47**
